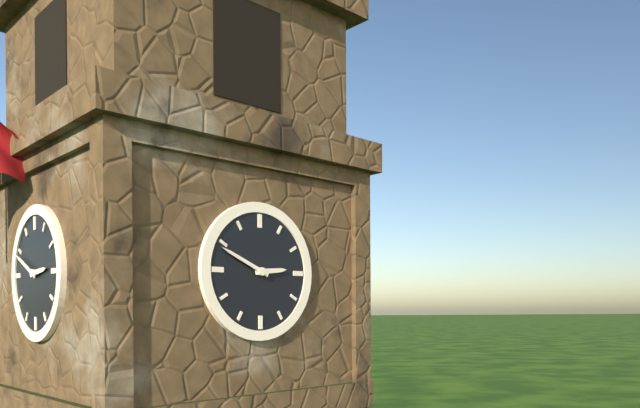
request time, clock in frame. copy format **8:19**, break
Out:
**2:49**
